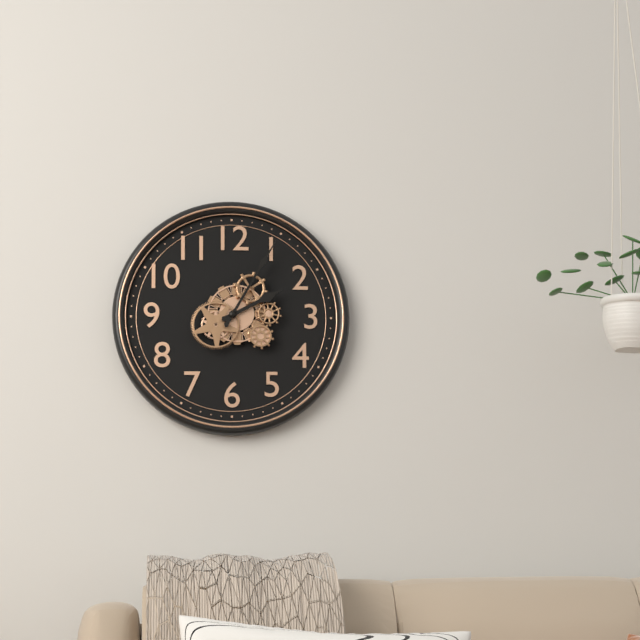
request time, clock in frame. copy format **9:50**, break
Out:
**2:05**
